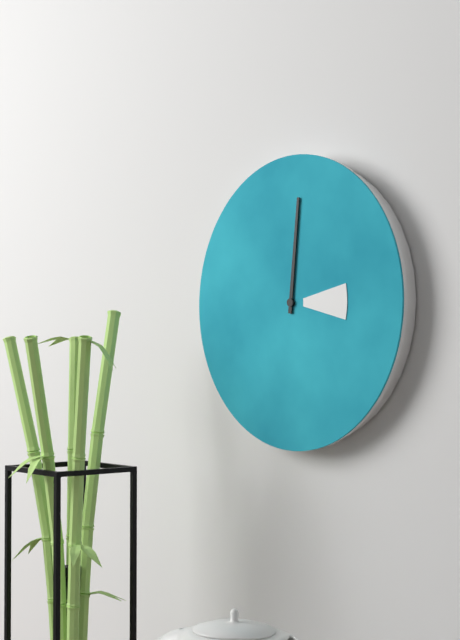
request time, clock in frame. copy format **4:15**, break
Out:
**3:01**
